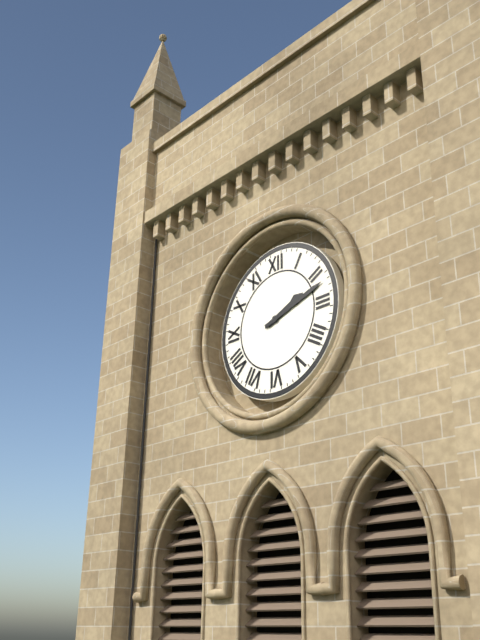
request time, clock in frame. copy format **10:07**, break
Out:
**2:12**
